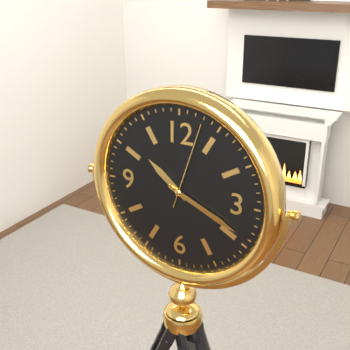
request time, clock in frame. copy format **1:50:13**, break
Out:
**10:19:03**
